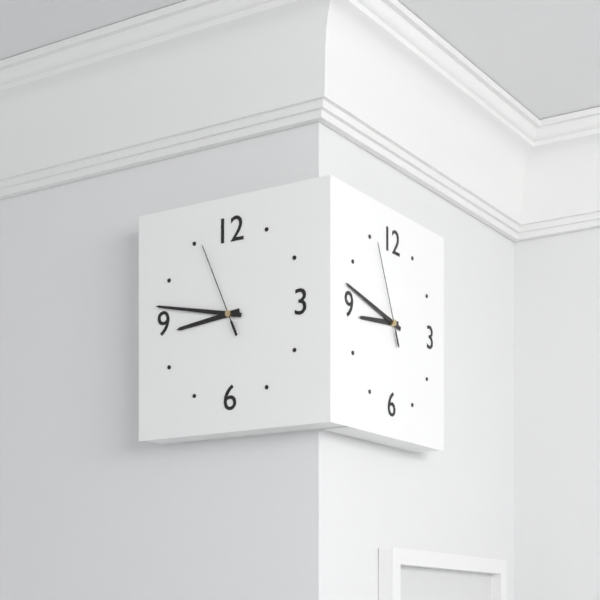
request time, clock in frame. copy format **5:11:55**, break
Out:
**8:47:56**
